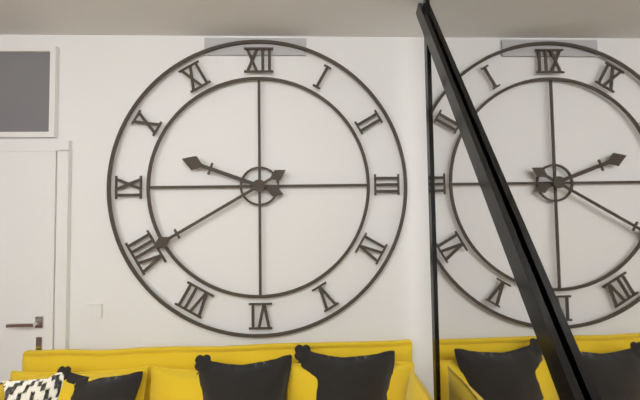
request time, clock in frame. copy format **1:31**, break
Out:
**9:40**
